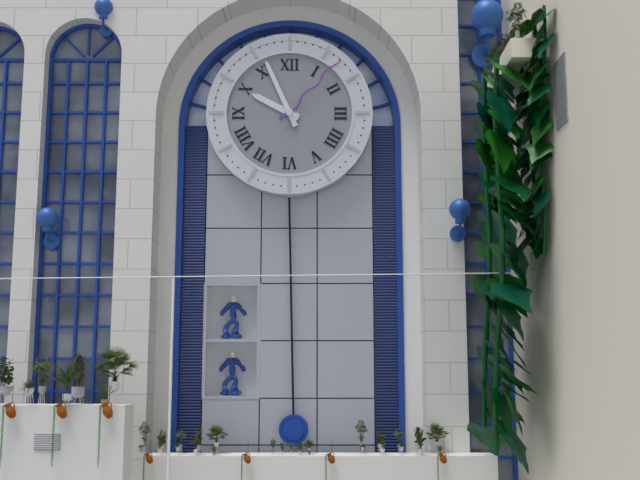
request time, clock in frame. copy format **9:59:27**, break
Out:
**9:56:07**
